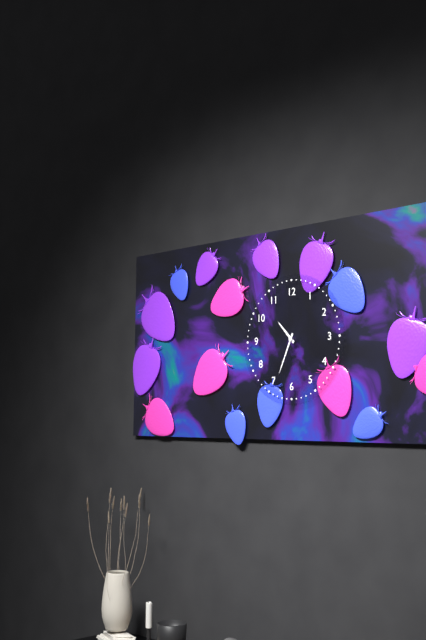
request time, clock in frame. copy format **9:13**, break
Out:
**10:34**
